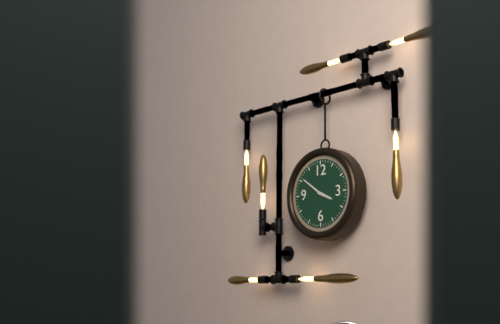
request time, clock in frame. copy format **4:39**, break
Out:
**3:51**
